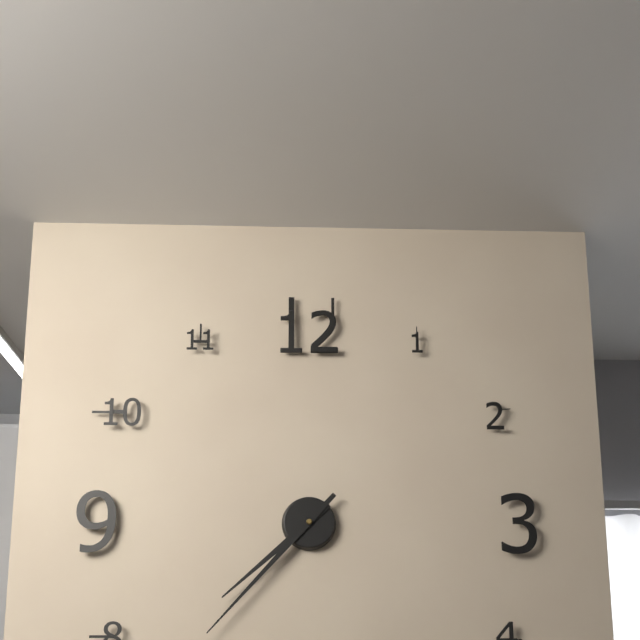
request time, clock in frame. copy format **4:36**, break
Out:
**7:37**
